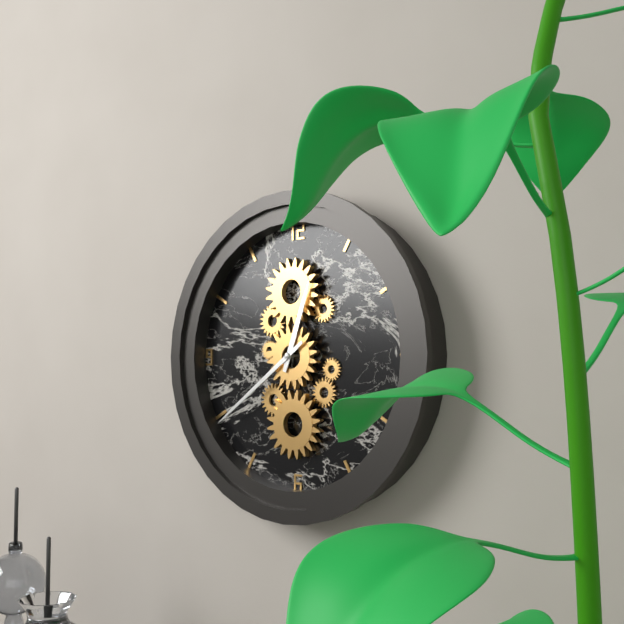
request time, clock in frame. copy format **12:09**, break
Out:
**12:39**
